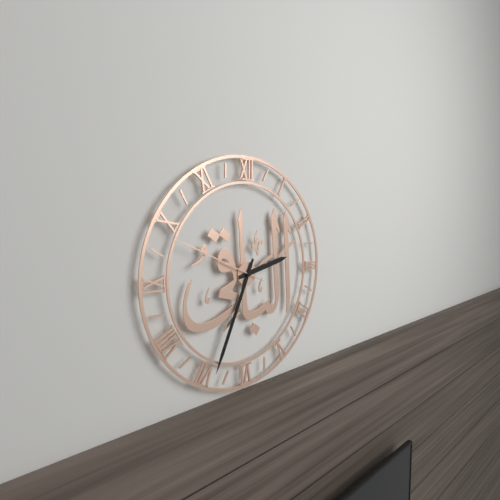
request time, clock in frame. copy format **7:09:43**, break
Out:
**2:34:49**
